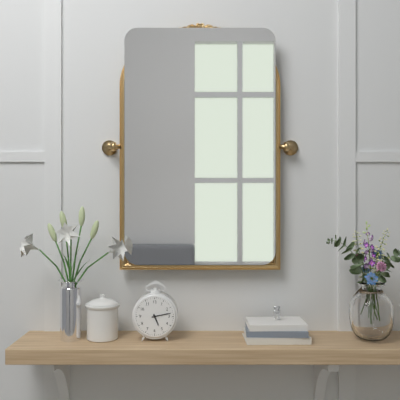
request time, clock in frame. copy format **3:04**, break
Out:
**5:13**
